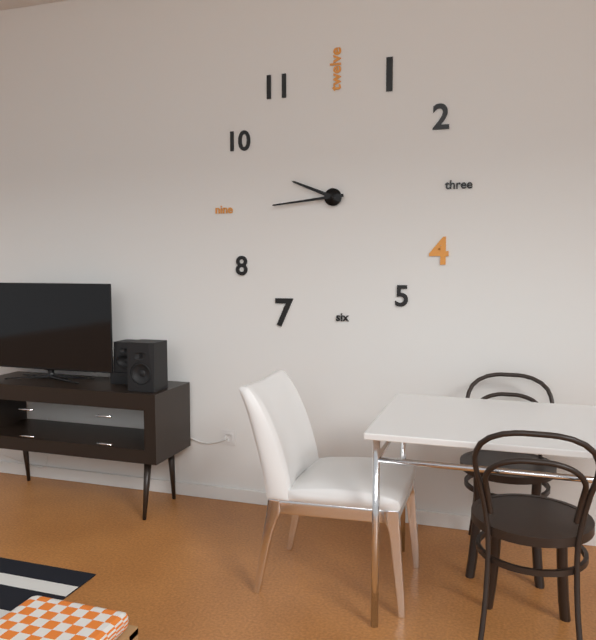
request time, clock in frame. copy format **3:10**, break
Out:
**9:44**
